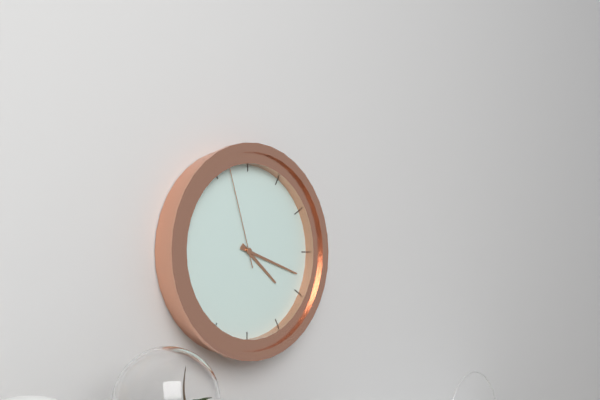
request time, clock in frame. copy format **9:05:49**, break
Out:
**4:18:57**
